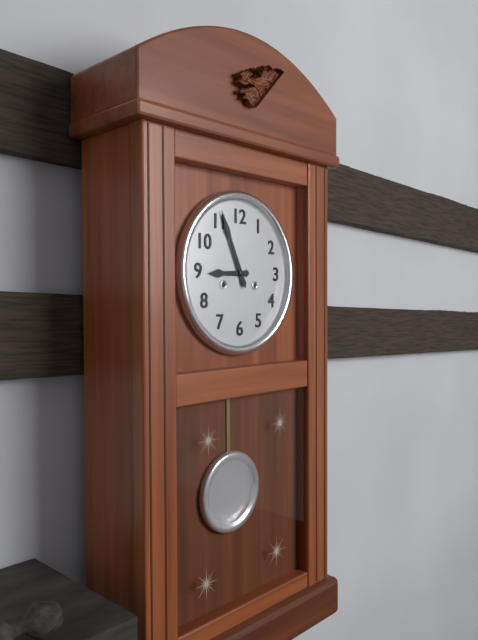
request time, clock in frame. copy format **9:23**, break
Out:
**8:56**
